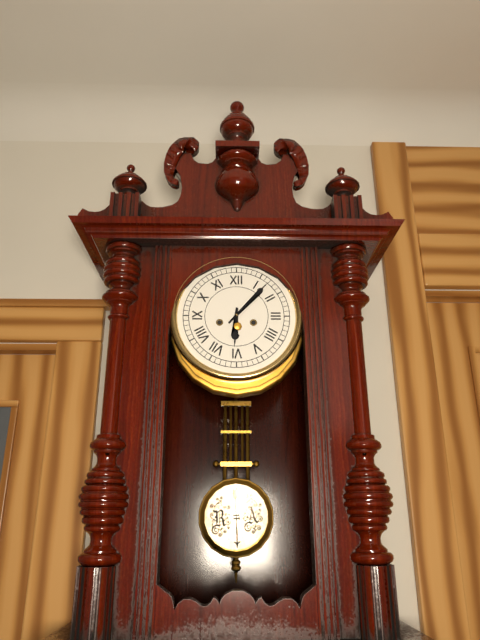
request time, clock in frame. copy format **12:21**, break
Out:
**6:07**
